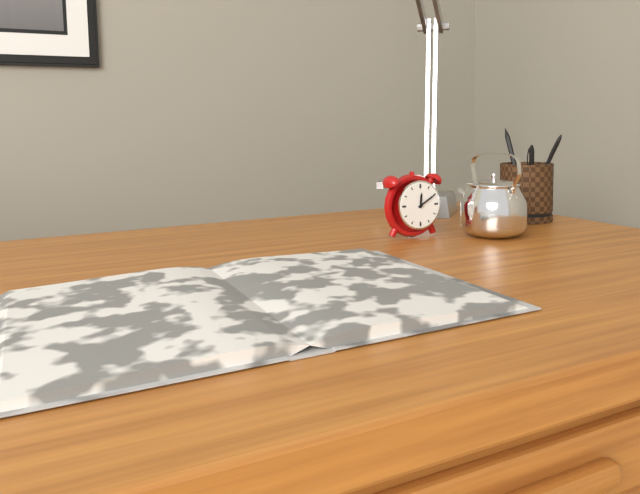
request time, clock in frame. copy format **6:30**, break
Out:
**12:10**
